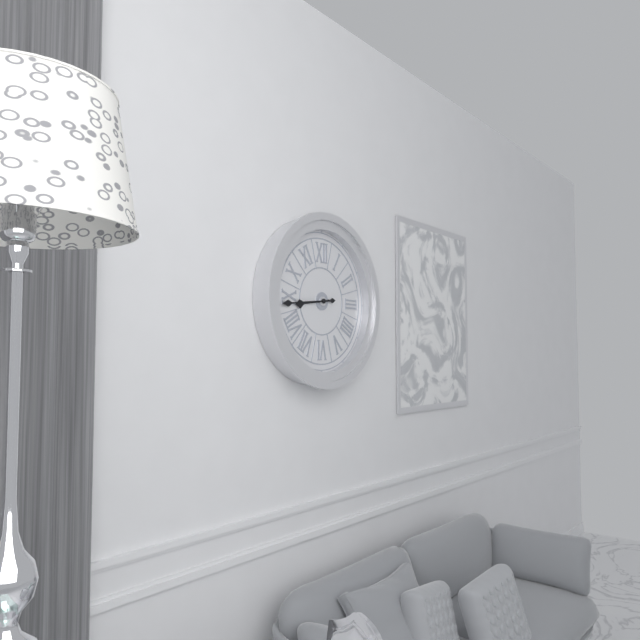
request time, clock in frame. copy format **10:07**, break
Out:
**8:44**
